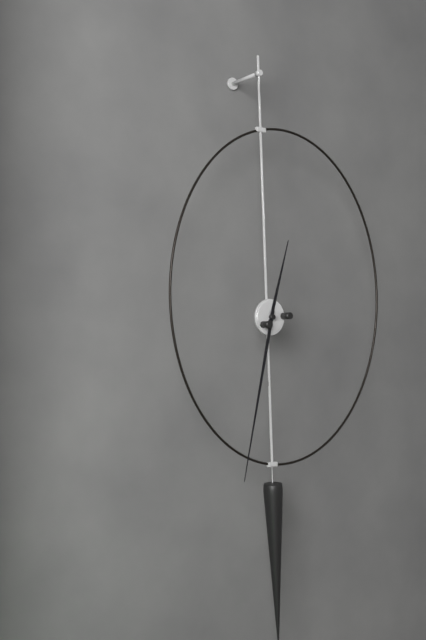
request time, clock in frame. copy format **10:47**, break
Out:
**12:32**
